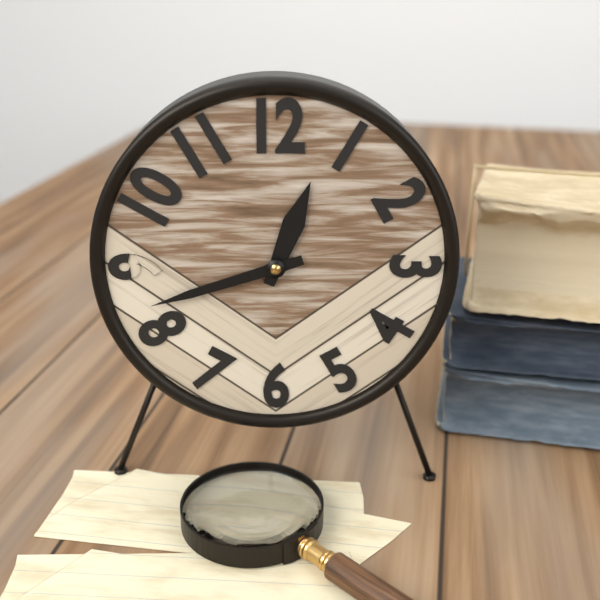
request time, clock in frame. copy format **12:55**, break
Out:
**12:42**
